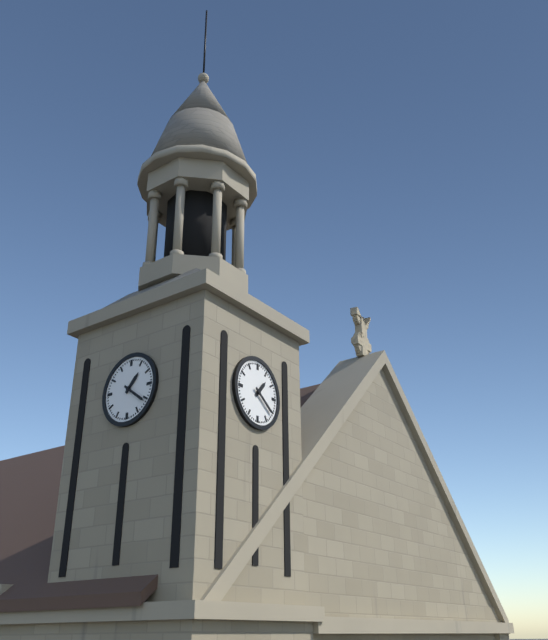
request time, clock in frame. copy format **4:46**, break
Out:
**1:21**
